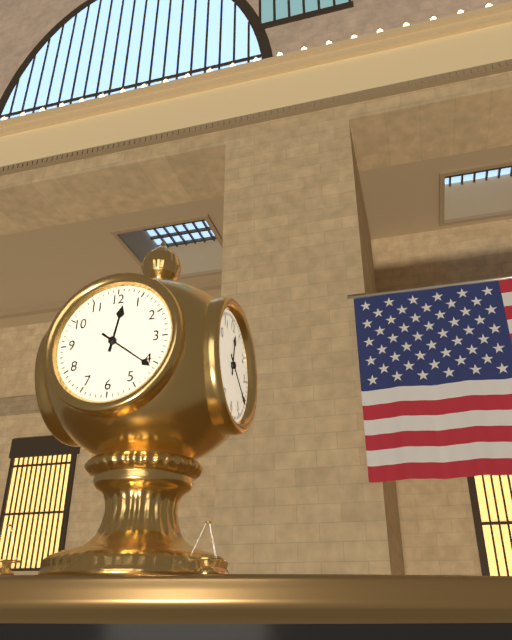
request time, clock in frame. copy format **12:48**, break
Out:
**12:21**
